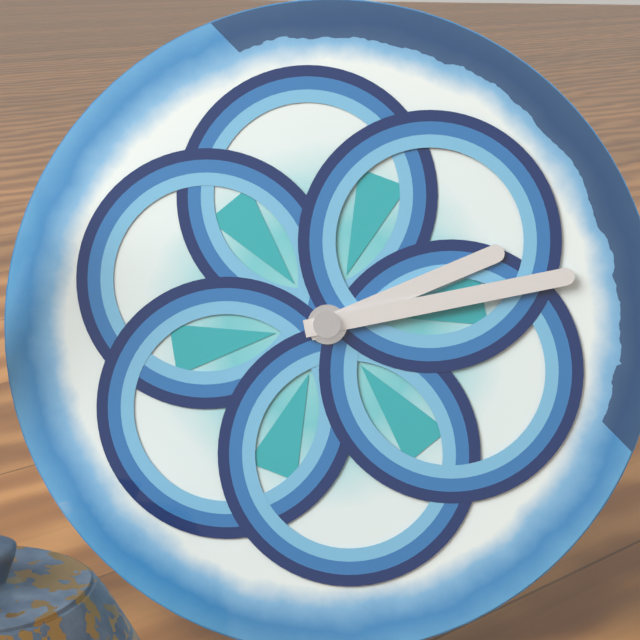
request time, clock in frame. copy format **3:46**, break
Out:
**2:13**
